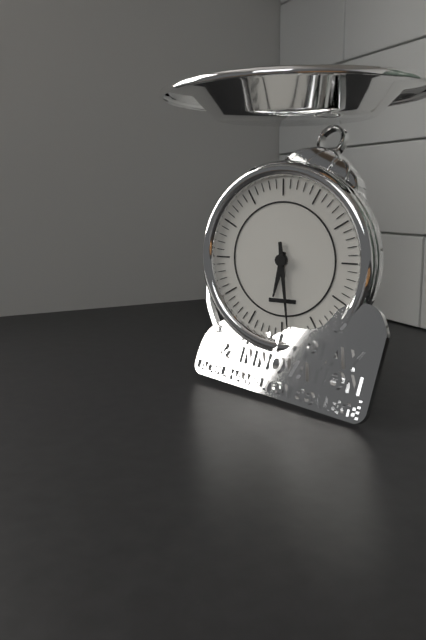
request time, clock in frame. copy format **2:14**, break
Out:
**6:29**
